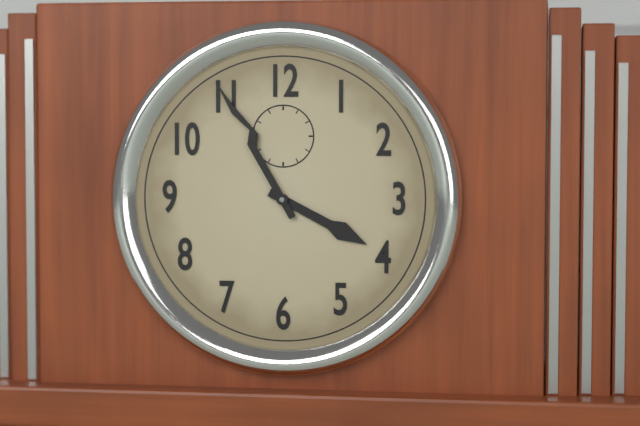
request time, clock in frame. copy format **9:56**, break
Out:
**3:55**
